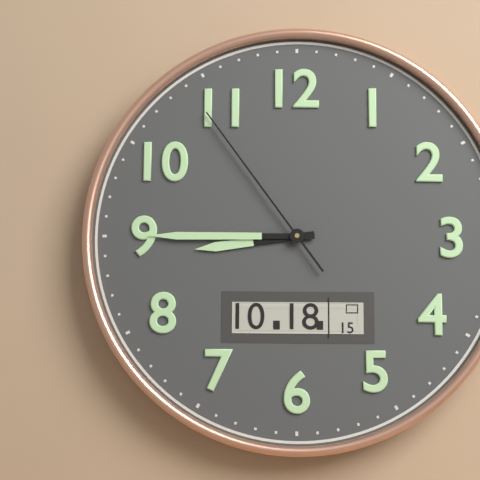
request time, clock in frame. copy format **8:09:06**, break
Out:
**8:45:54**
